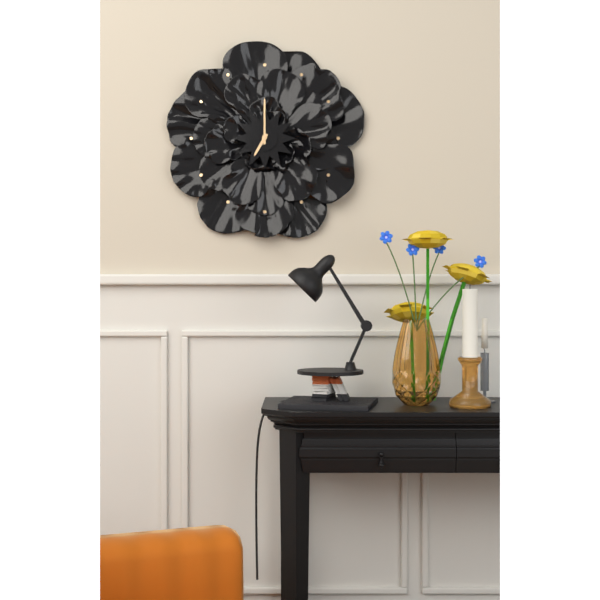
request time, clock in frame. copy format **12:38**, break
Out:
**7:00**
